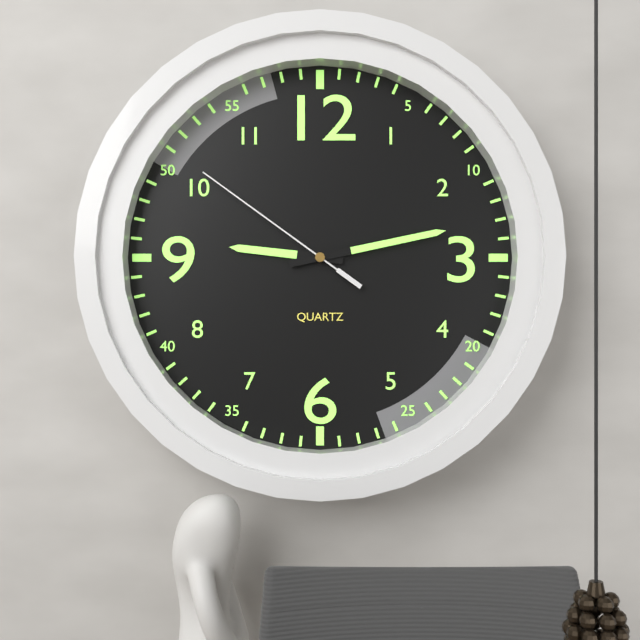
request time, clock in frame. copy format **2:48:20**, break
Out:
**9:13:51**
